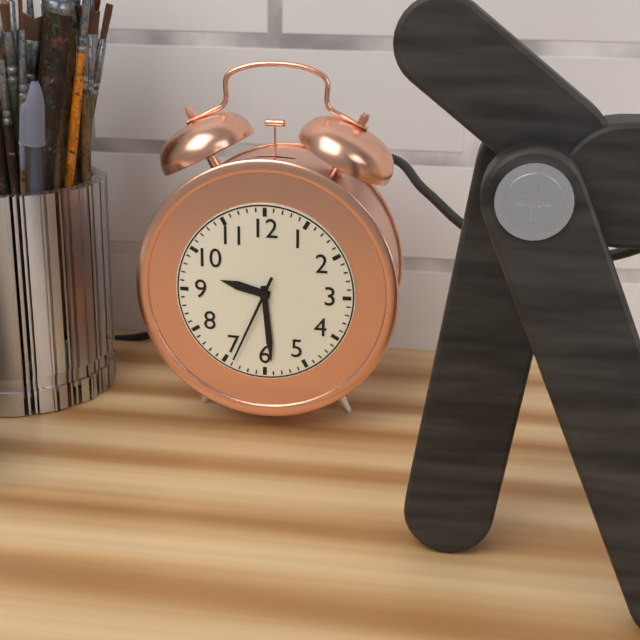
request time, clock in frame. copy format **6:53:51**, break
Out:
**9:29:34**
